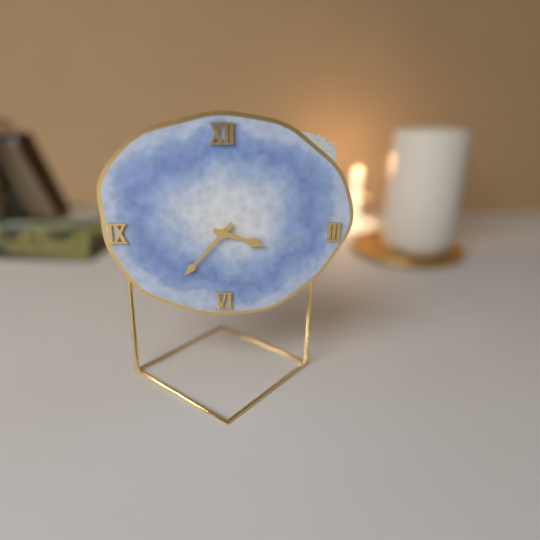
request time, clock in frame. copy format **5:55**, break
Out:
**3:37**
